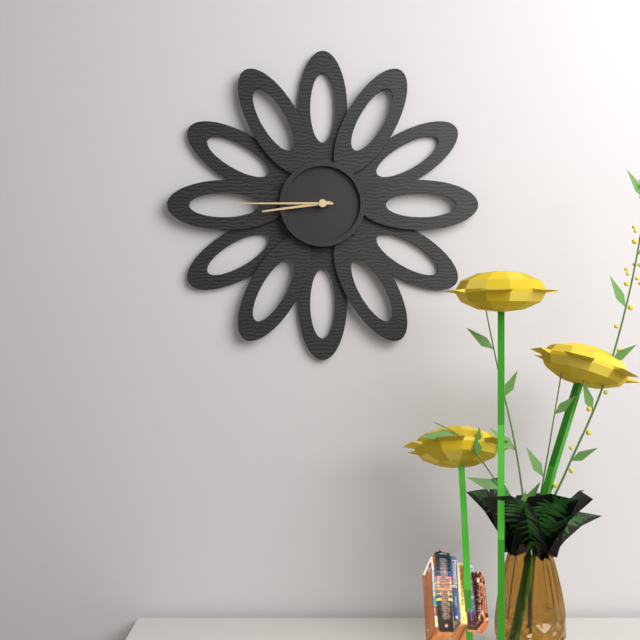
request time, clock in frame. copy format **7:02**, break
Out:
**8:45**
